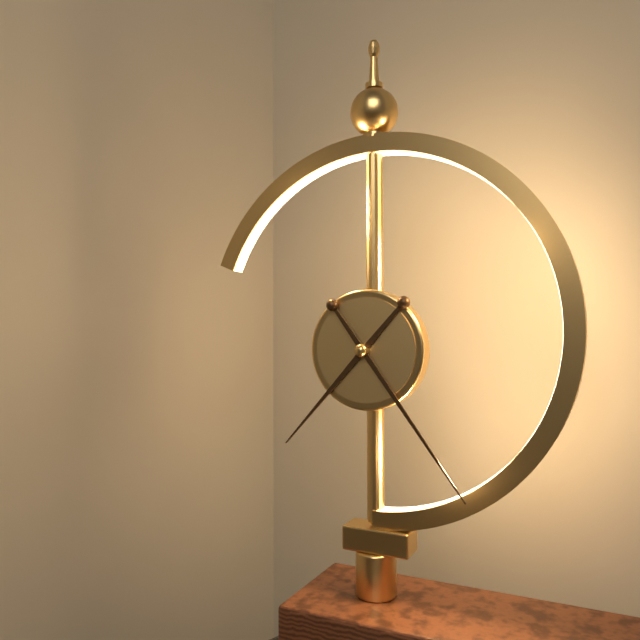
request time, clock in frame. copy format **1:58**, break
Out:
**7:24**
